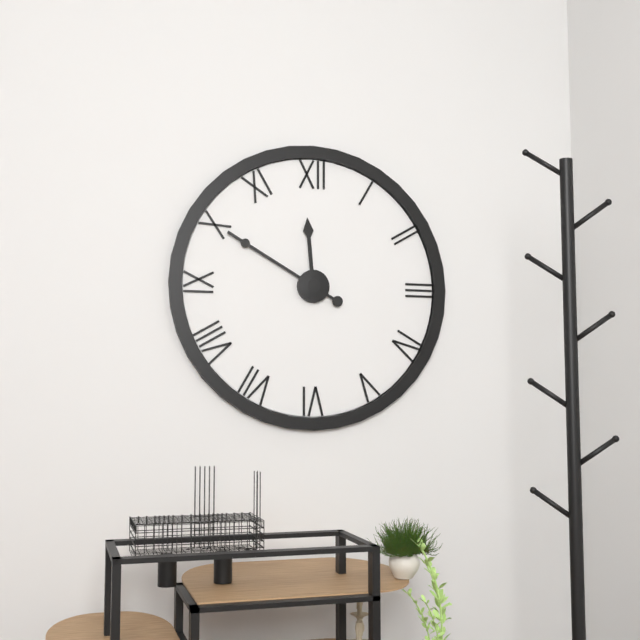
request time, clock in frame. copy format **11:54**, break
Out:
**11:50**
